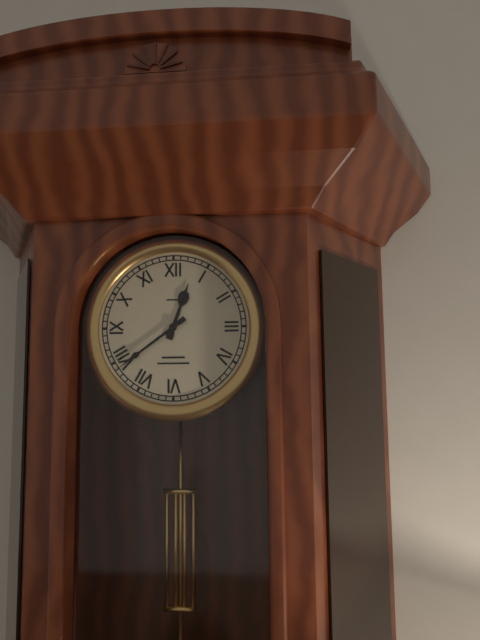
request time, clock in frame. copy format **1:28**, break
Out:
**12:39**
